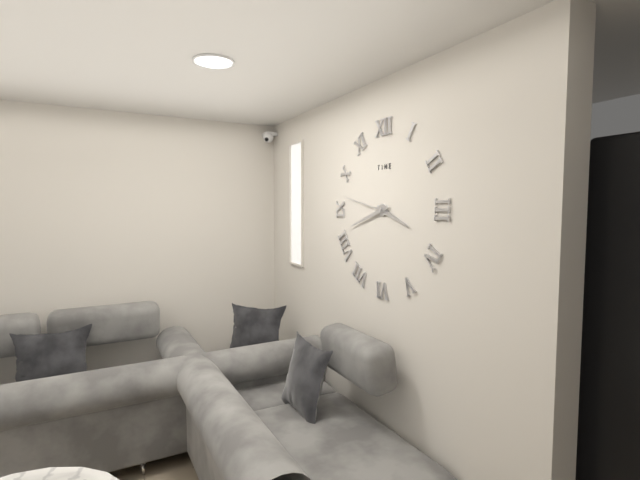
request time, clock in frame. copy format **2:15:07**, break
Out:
**3:42:47**
